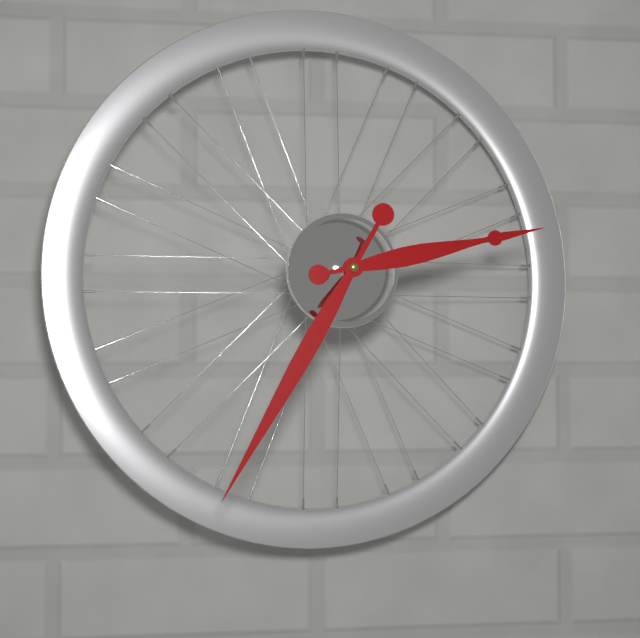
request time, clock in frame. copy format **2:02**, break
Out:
**2:35**
